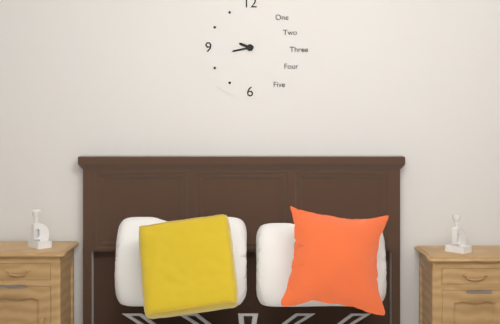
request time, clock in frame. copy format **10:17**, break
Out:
**9:43**
